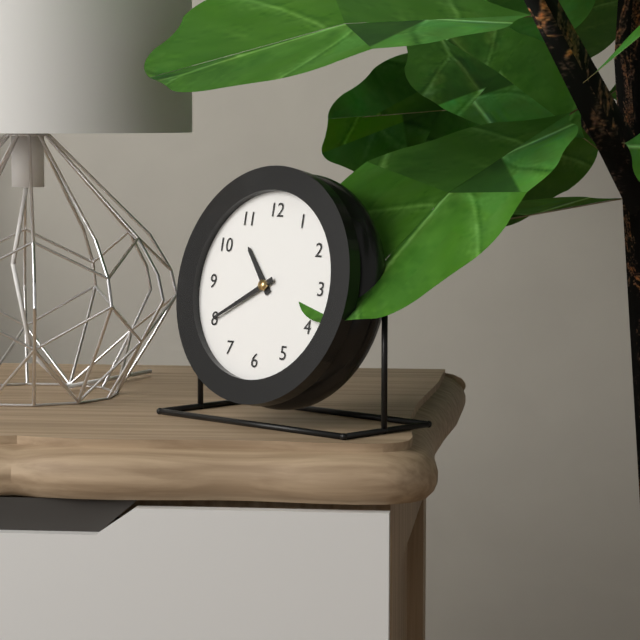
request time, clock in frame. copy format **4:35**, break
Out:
**10:40**
